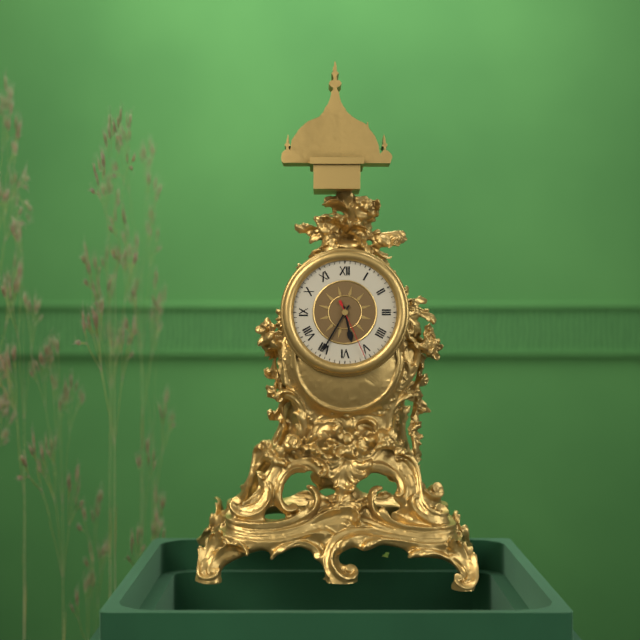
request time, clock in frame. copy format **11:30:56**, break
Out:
**5:35:26**
